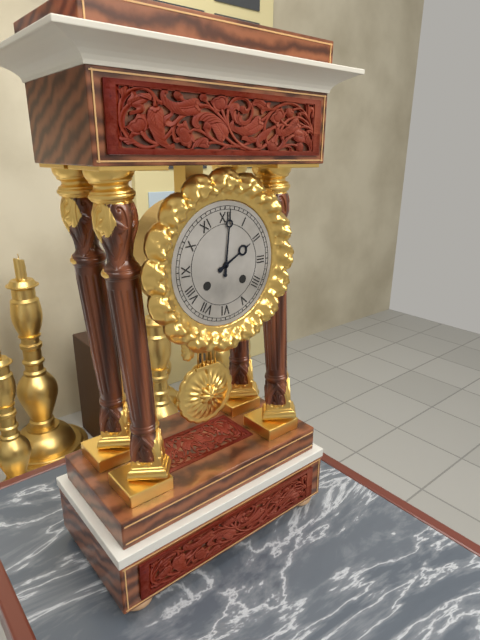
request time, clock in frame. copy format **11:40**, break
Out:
**2:01**
